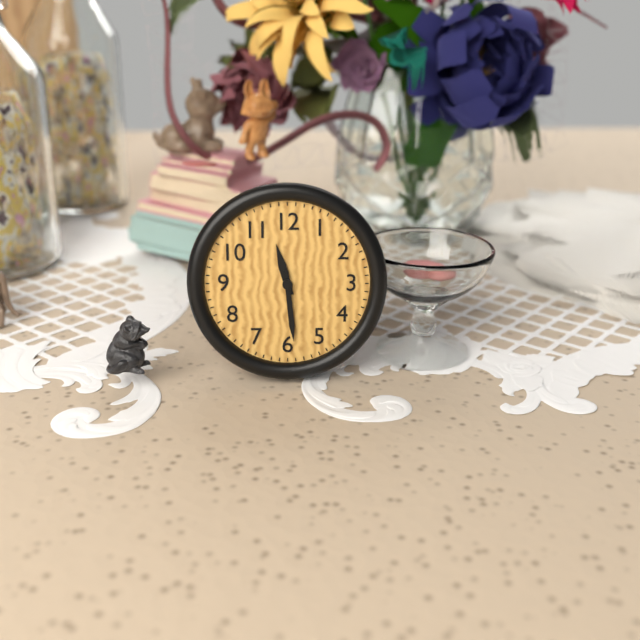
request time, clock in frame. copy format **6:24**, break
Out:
**11:29**
